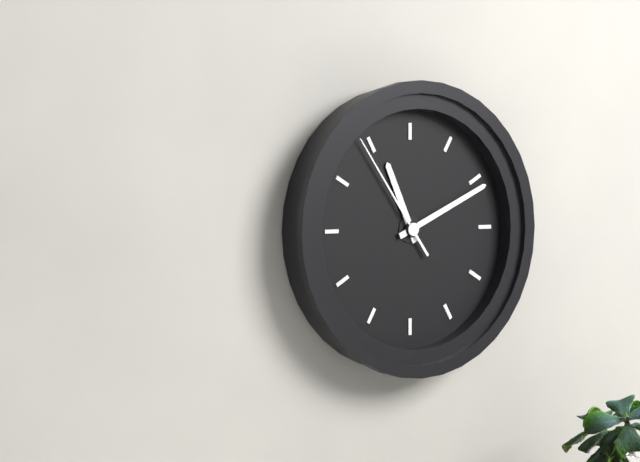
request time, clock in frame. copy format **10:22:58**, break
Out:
**11:11:54**
